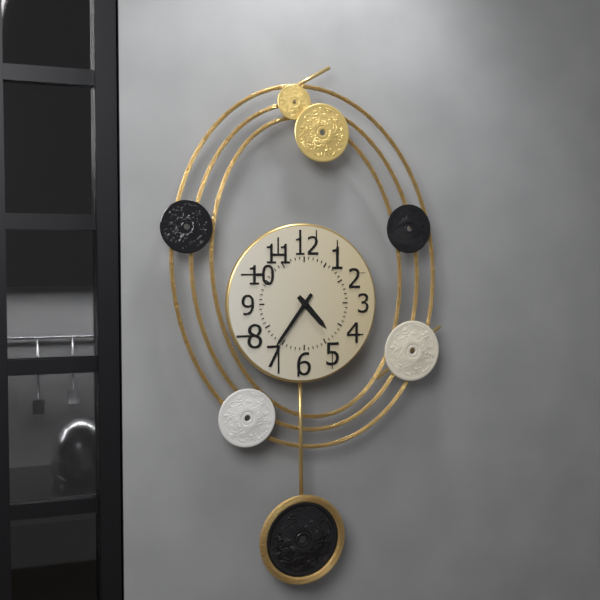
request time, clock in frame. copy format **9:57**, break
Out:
**4:36**
